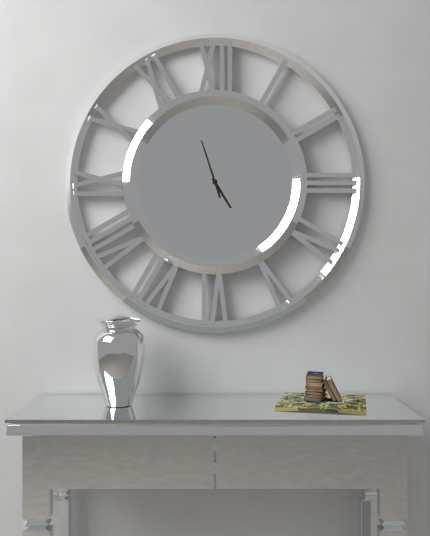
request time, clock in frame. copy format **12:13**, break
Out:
**4:57**
